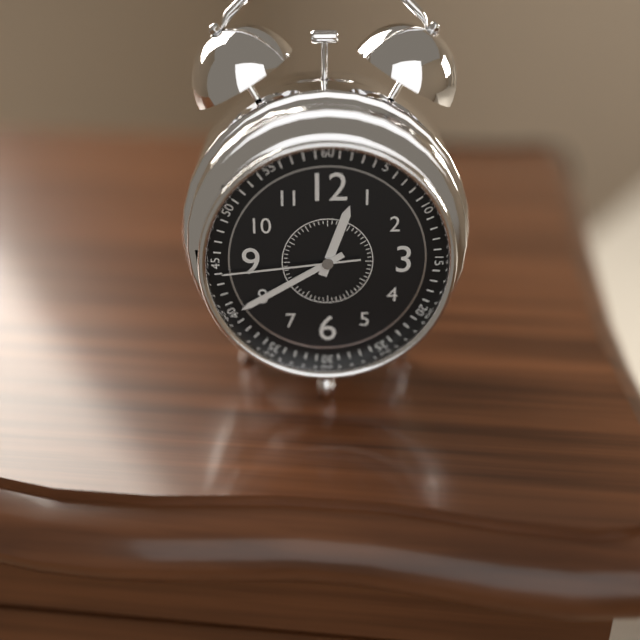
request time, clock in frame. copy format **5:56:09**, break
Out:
**12:40:44**
